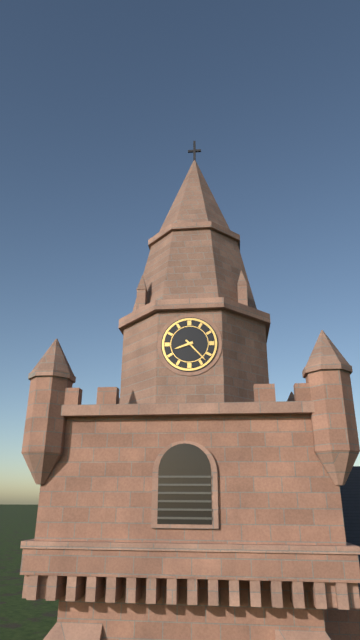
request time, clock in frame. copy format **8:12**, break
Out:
**8:23**
